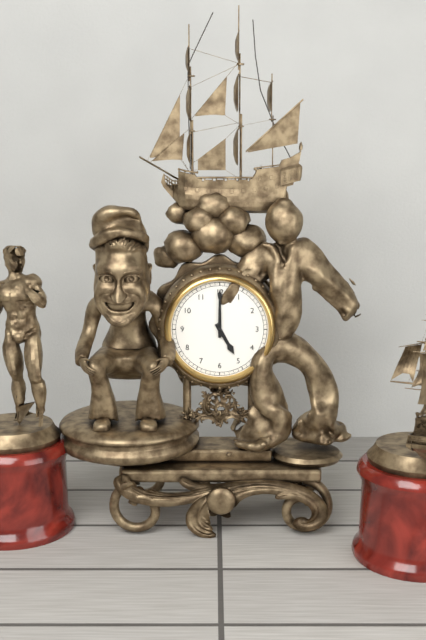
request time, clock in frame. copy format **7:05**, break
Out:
**5:00**
